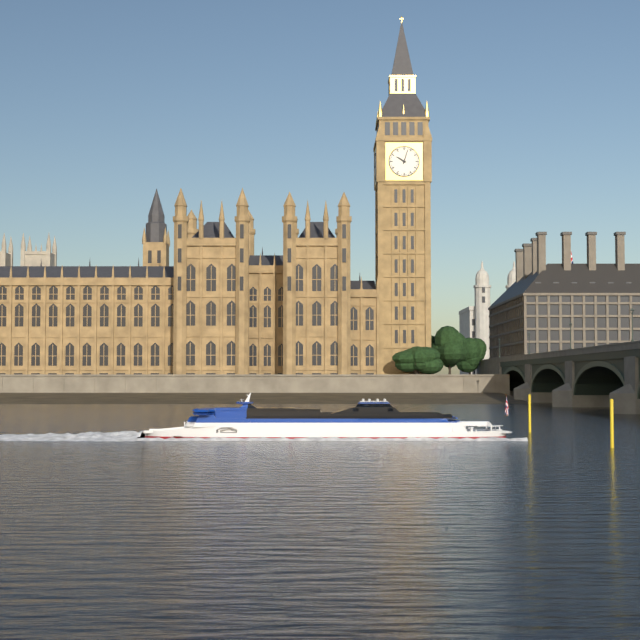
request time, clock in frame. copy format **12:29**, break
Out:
**10:03**
